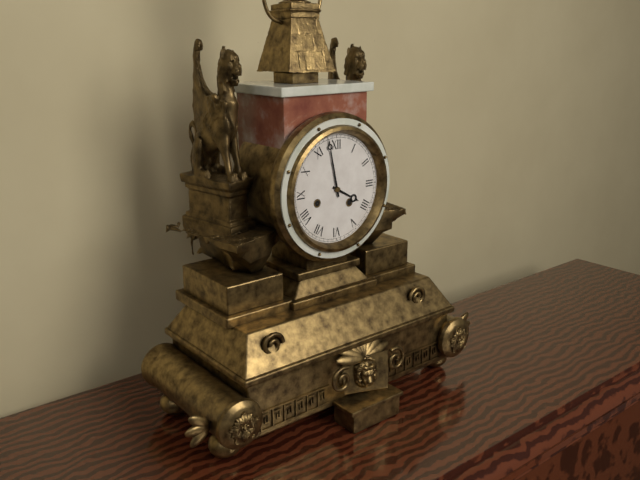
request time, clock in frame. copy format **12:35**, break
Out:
**3:58**
